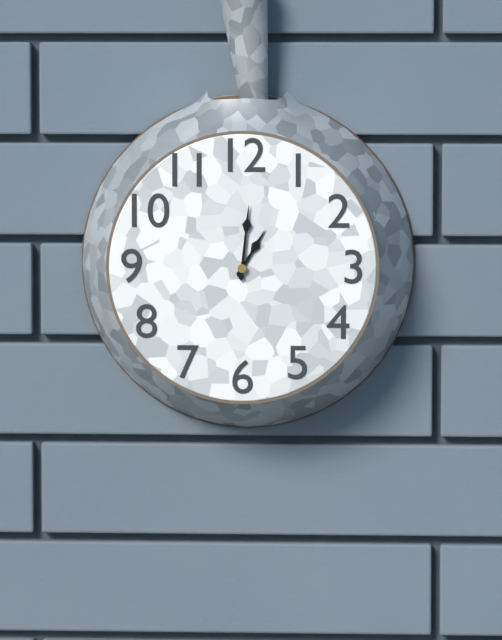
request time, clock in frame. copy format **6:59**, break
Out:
**1:01**
